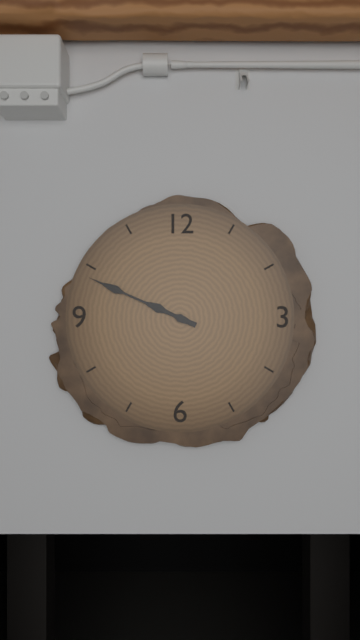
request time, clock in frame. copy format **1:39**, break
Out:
**9:49**
